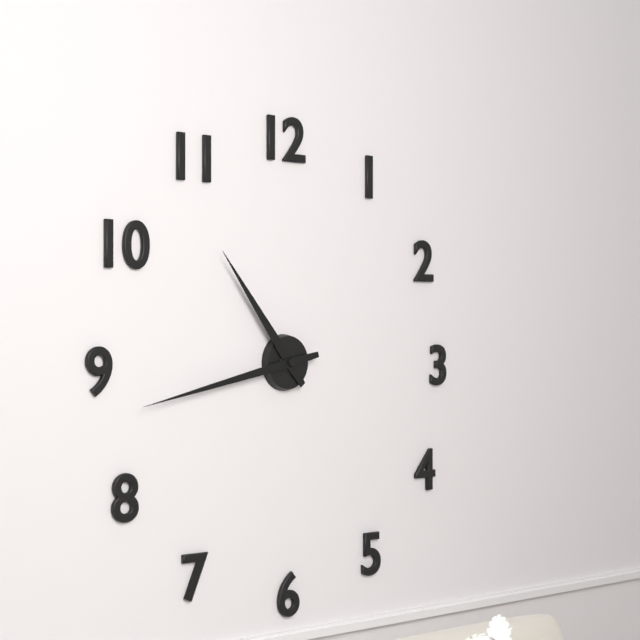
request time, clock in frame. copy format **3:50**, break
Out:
**10:43**
